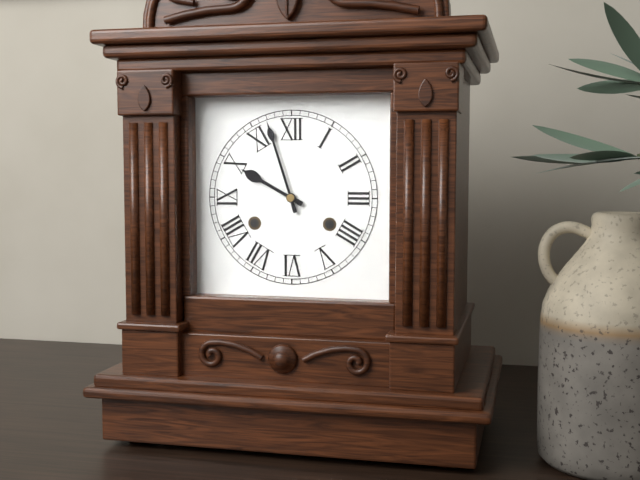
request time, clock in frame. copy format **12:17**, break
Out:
**9:57**
